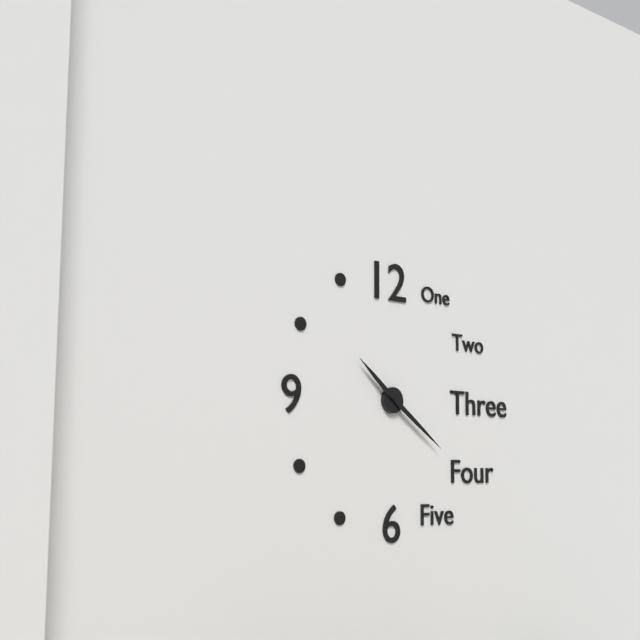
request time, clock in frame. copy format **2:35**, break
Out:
**10:21**
